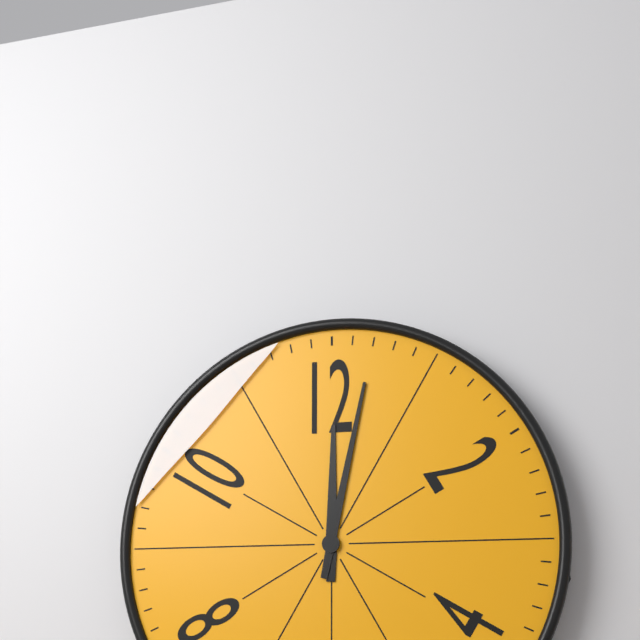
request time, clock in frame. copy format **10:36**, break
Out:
**12:02**
